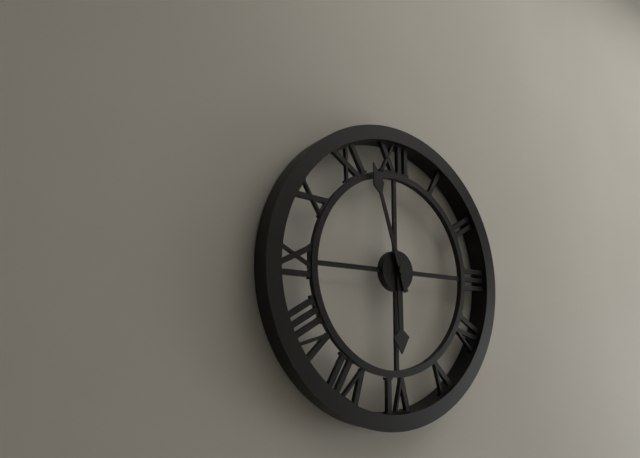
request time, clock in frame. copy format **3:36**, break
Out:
**5:57**
